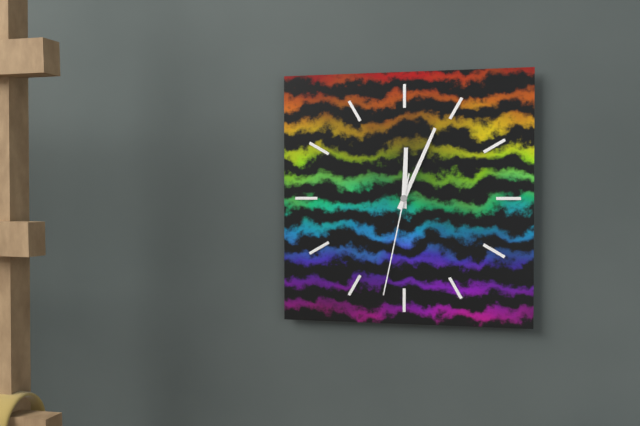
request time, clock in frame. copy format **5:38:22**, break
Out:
**12:04:32**
